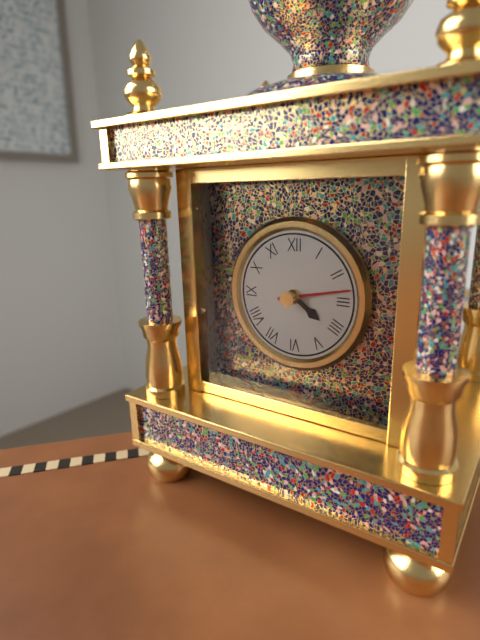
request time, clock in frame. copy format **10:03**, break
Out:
**4:13**
